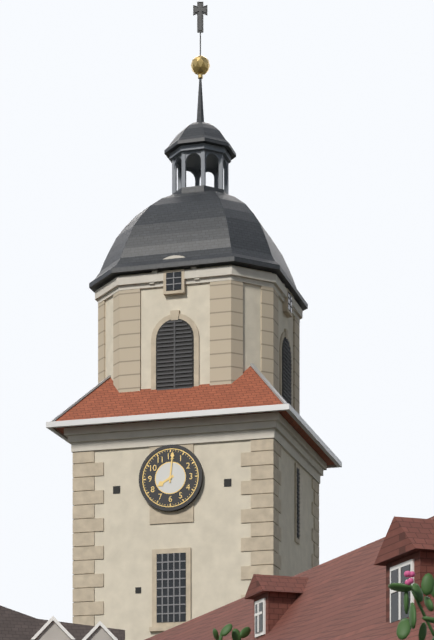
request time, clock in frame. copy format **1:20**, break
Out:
**8:01**
